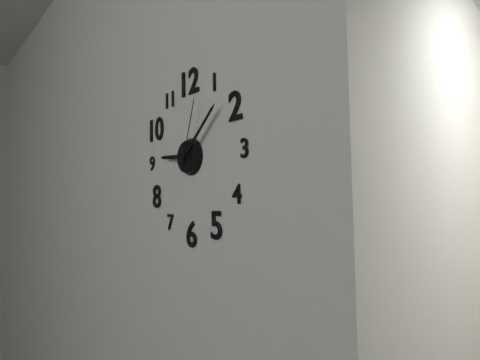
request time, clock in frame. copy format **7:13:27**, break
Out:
**9:08:03**
